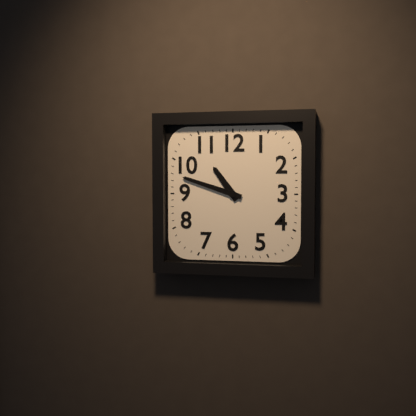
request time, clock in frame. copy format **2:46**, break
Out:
**10:48**
